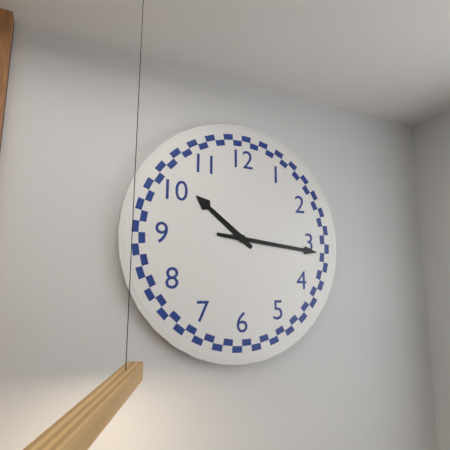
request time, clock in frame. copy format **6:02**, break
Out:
**10:16**
